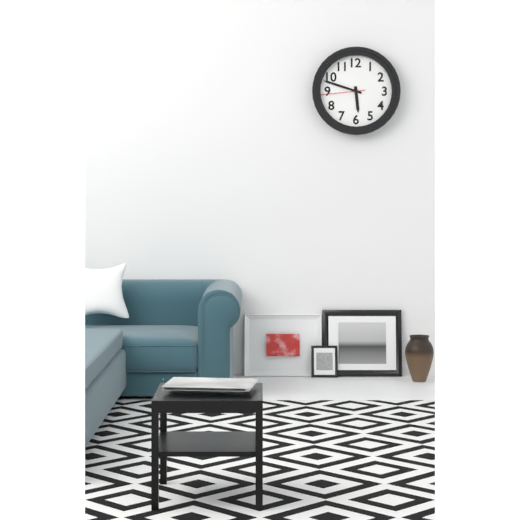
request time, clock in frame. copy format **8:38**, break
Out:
**5:48**
